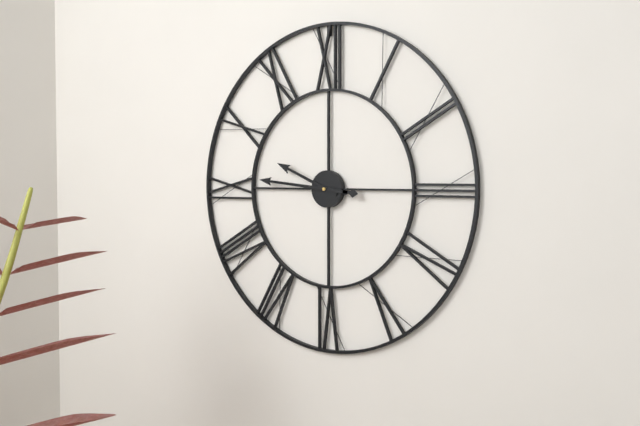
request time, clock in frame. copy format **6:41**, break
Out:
**9:46**
